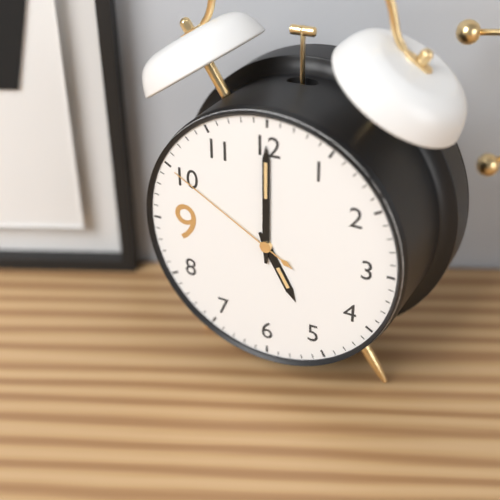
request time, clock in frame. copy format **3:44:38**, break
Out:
**5:00:50**
